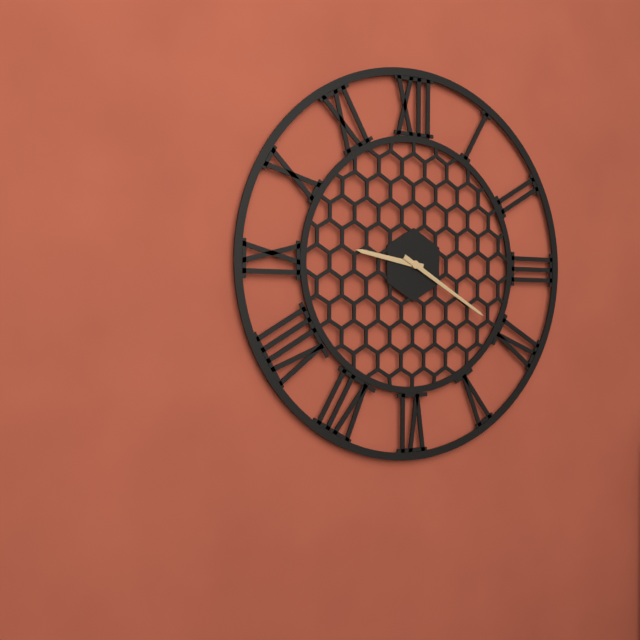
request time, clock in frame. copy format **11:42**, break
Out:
**9:20**
